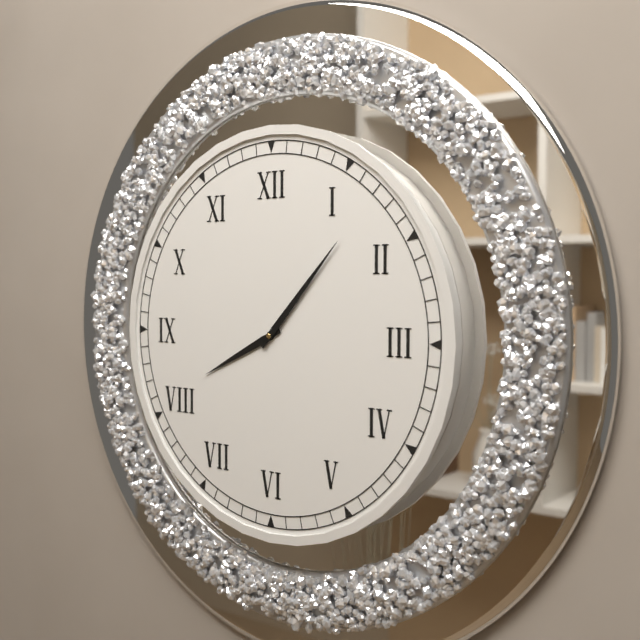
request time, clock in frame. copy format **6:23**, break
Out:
**8:07**
